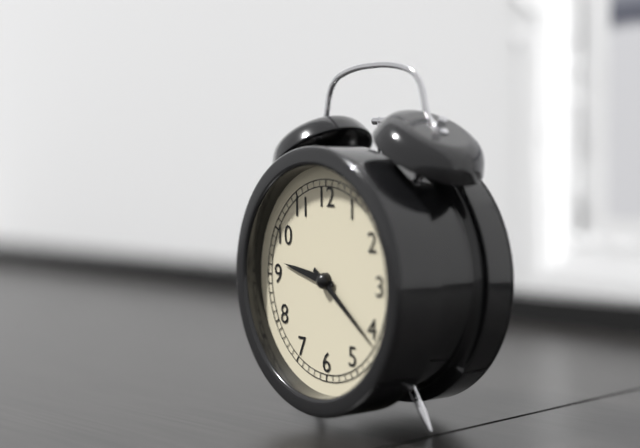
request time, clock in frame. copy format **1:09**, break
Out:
**9:21**
